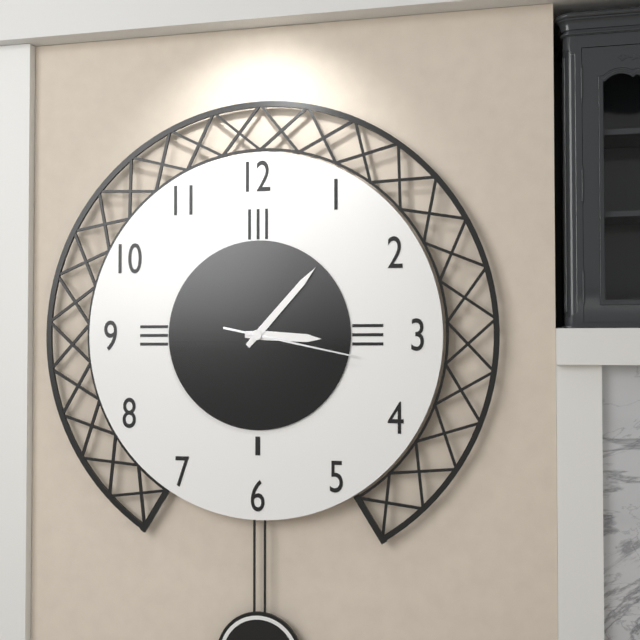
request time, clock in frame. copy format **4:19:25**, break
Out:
**3:07:17**
